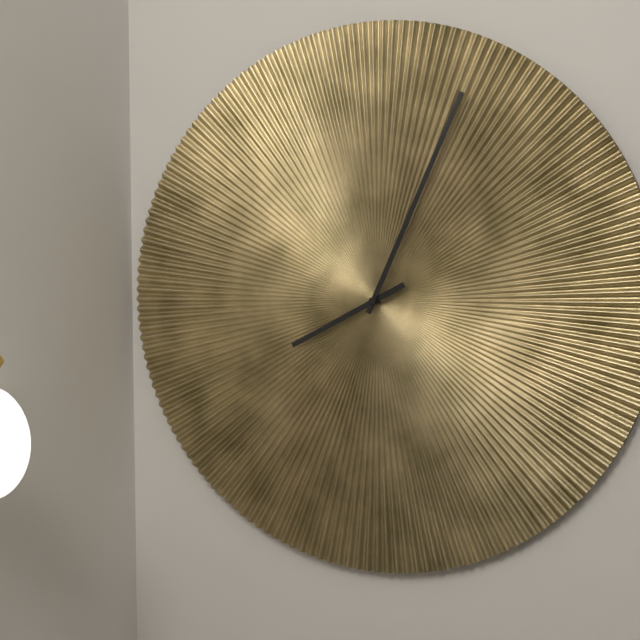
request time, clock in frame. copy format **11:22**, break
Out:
**8:04**
